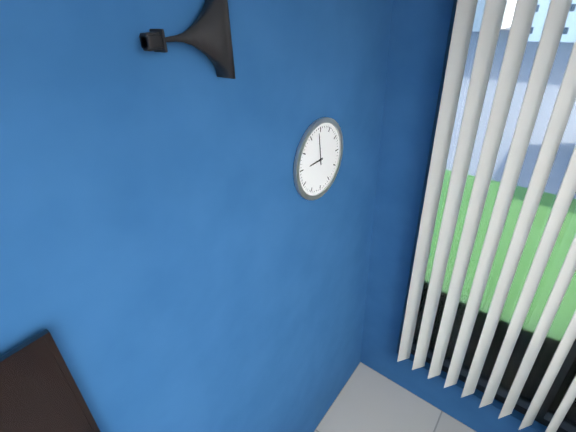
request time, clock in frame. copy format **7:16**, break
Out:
**8:59**
